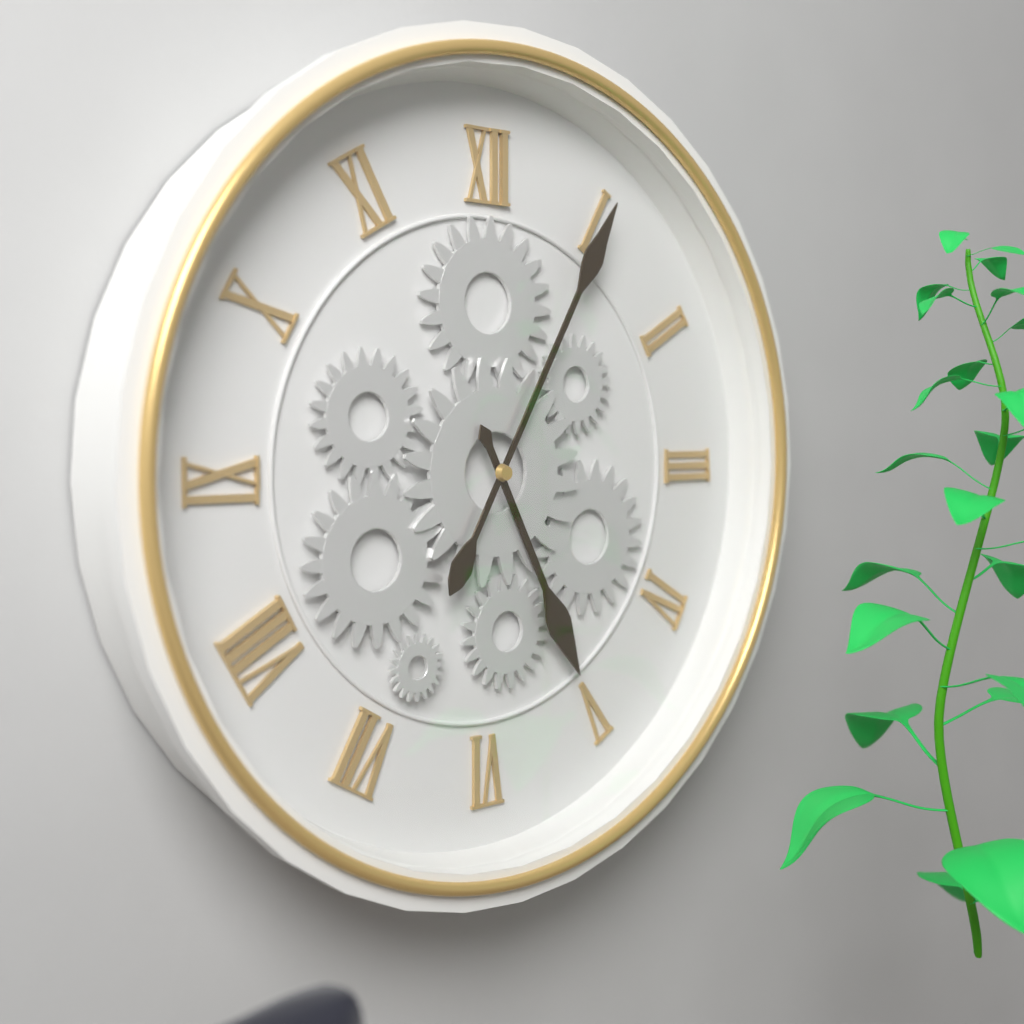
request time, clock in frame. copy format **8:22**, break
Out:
**5:05**
